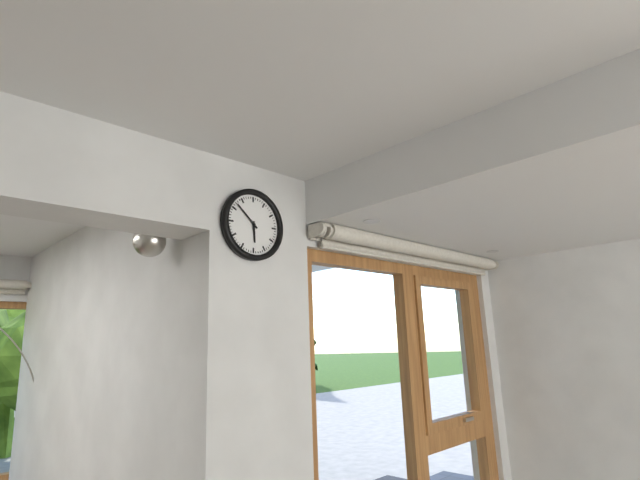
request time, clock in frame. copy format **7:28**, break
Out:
**5:52**
